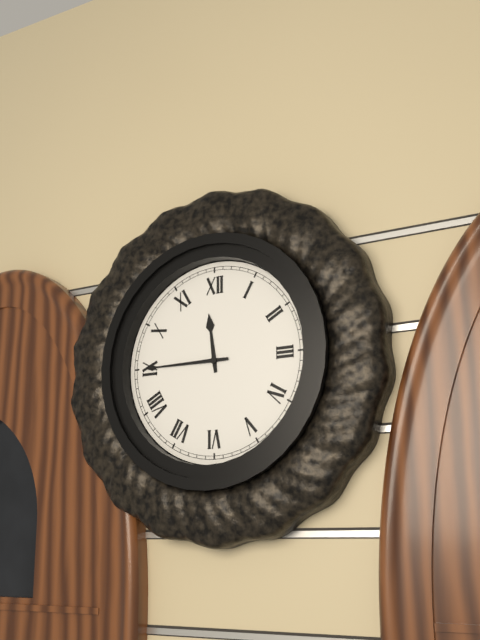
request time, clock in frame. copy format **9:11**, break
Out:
**11:45**
